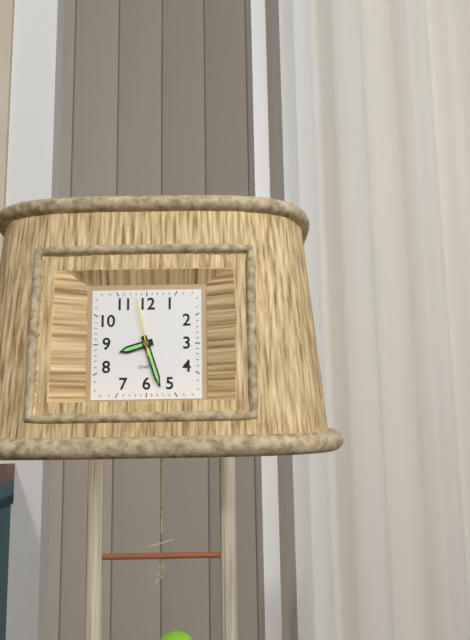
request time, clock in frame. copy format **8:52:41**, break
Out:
**8:27:58**
